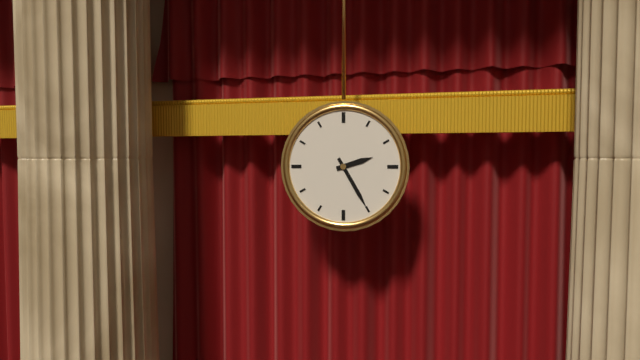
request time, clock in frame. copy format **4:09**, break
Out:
**2:25**
